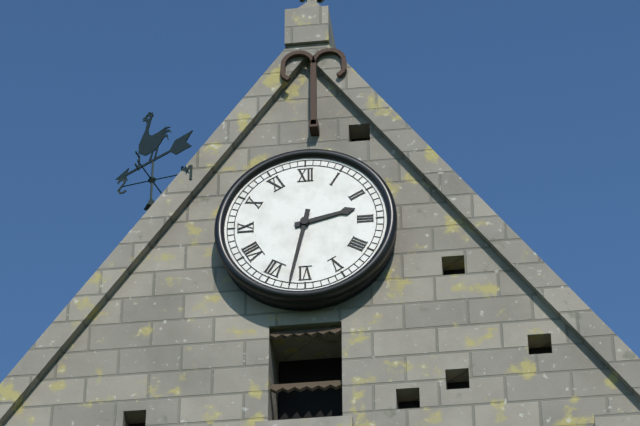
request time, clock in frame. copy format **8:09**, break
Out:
**2:32**
